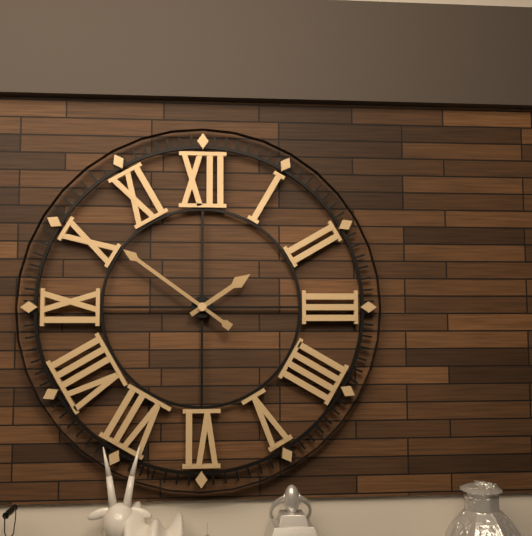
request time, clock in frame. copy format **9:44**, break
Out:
**1:51**
